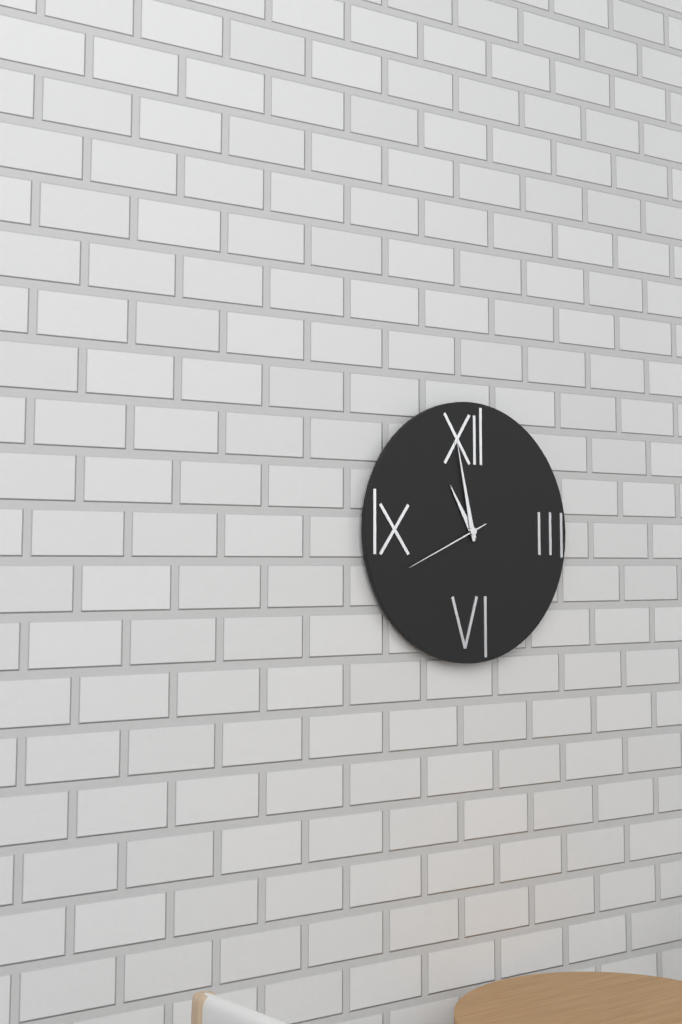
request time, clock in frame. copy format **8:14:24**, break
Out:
**10:58:41**
